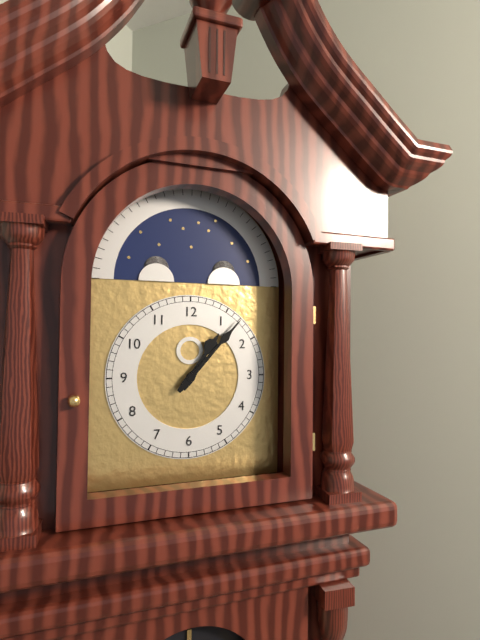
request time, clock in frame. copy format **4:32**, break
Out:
**1:07**
